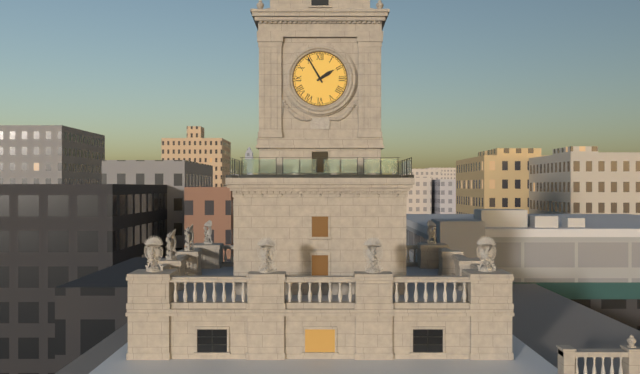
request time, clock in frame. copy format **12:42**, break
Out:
**1:55**
